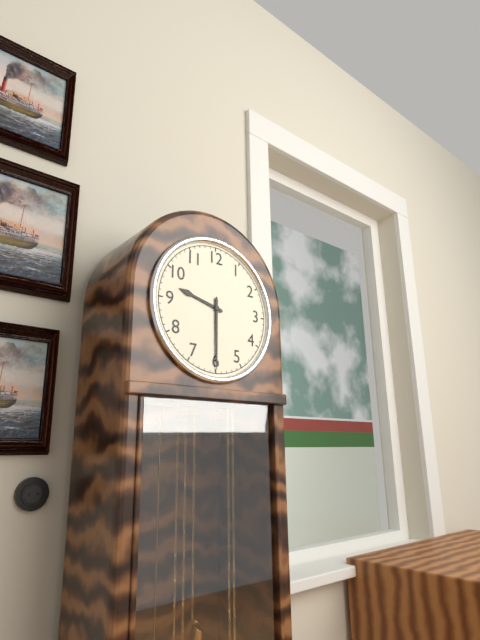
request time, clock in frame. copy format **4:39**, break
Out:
**9:30**
